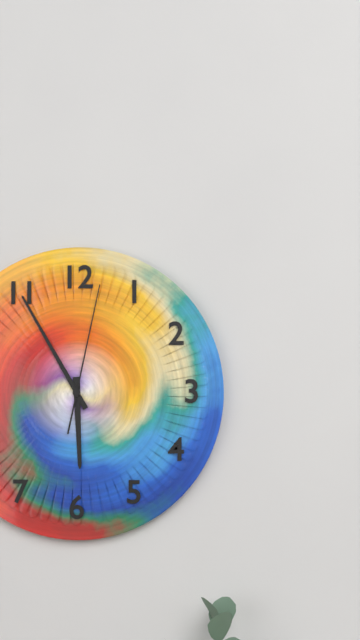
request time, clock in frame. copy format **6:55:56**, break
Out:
**5:55:02**
